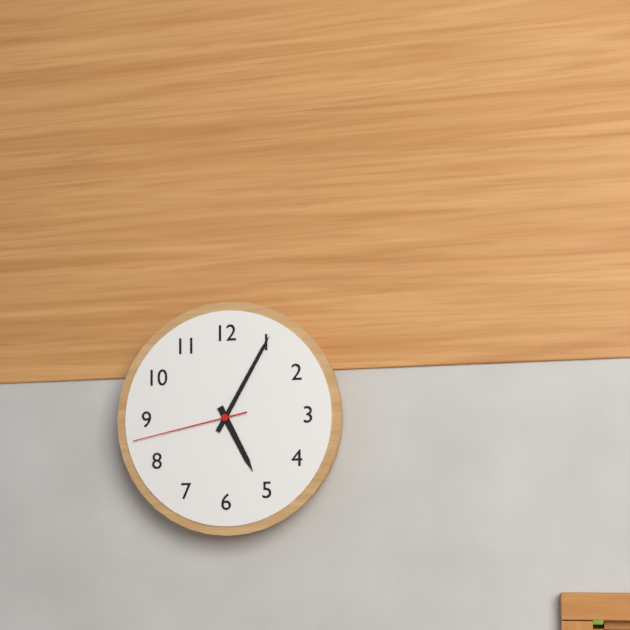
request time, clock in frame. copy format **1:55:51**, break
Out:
**5:05:43**
